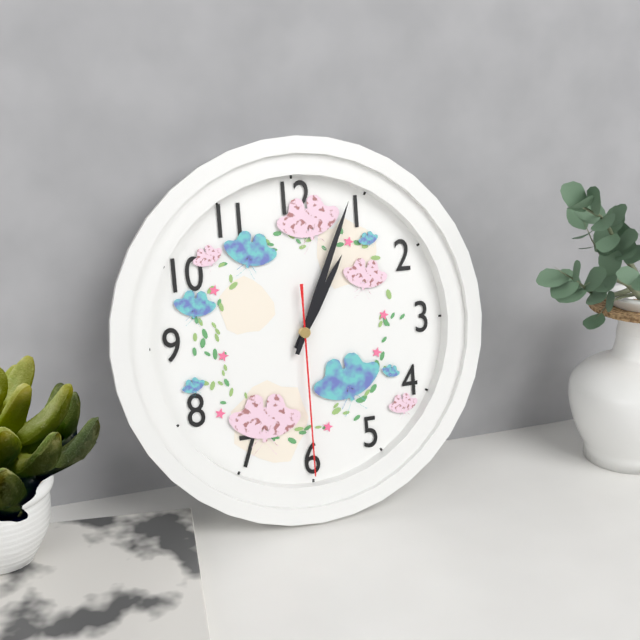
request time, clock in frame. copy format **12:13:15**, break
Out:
**1:04:30**
